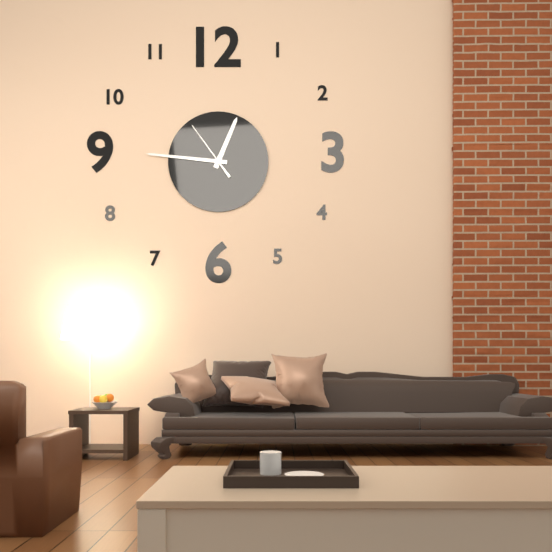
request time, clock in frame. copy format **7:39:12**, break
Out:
**12:46:54**
